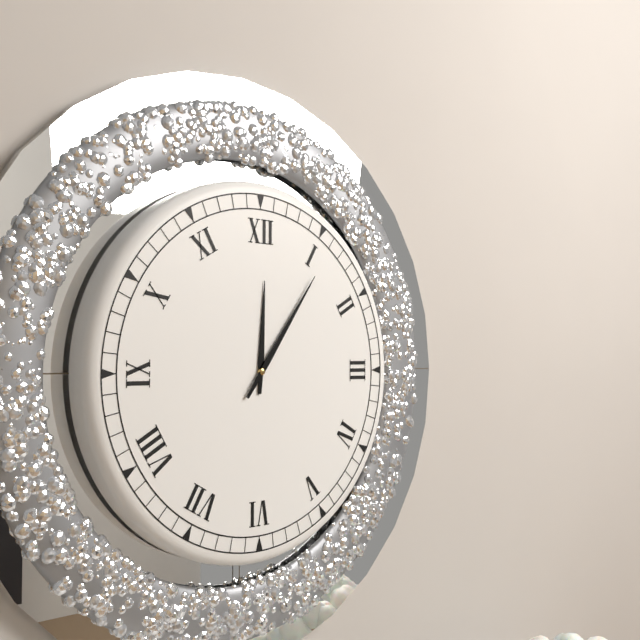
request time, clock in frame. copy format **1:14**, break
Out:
**12:06**
